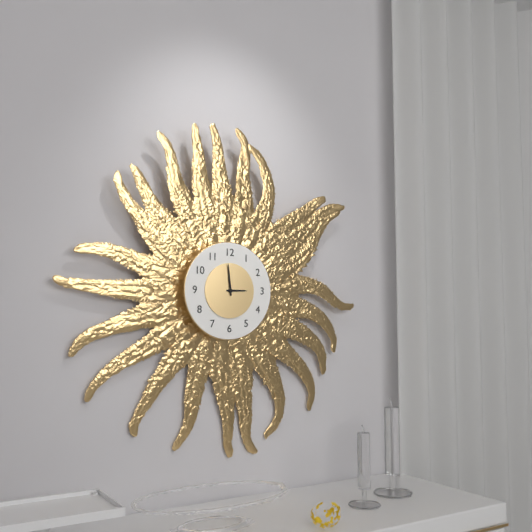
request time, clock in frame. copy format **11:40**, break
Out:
**2:59**
